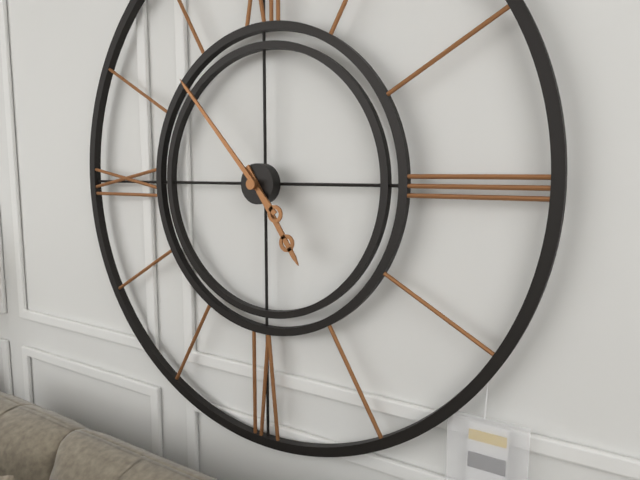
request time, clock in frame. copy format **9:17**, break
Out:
**4:53**
